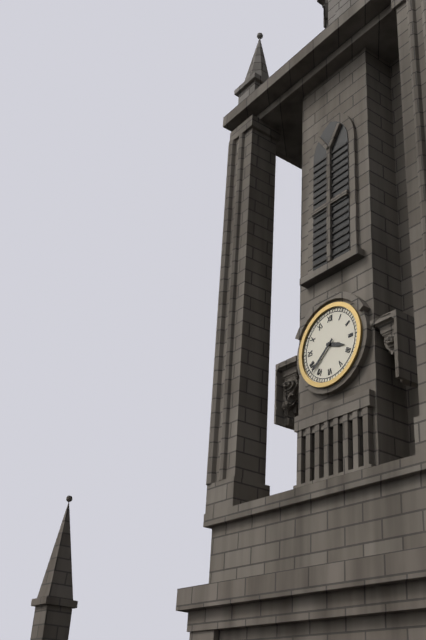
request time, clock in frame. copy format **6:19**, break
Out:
**3:38**
